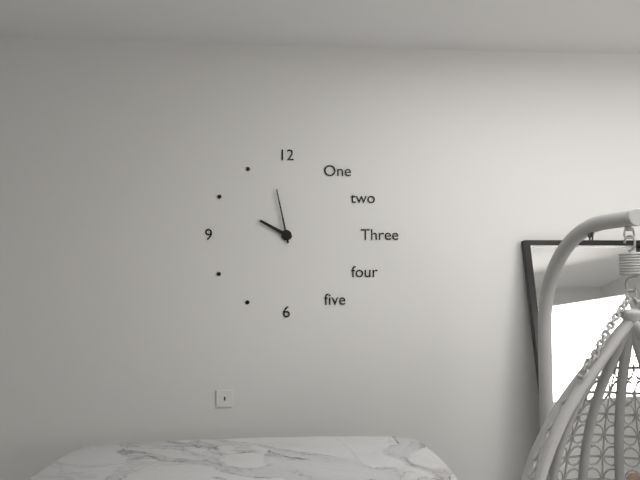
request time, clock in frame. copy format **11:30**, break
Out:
**9:58**
